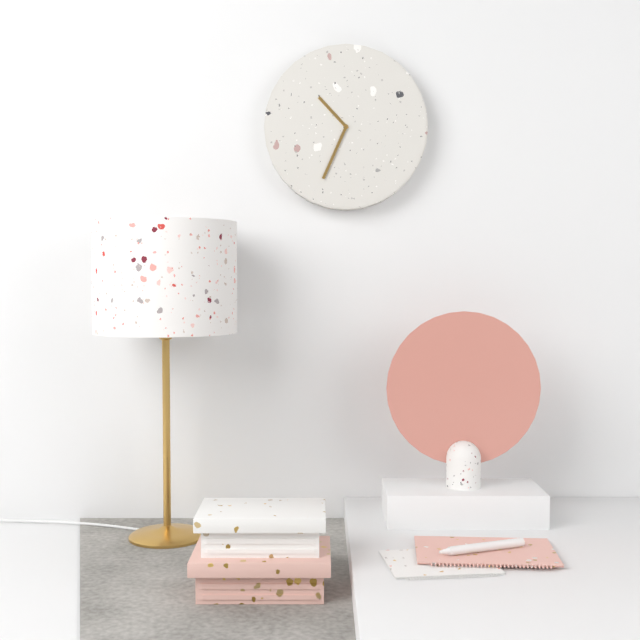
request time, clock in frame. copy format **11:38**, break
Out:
**10:34**
